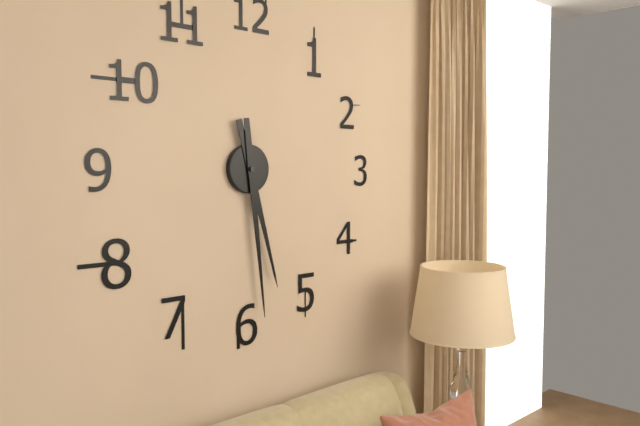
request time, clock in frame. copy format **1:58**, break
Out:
**5:29**
